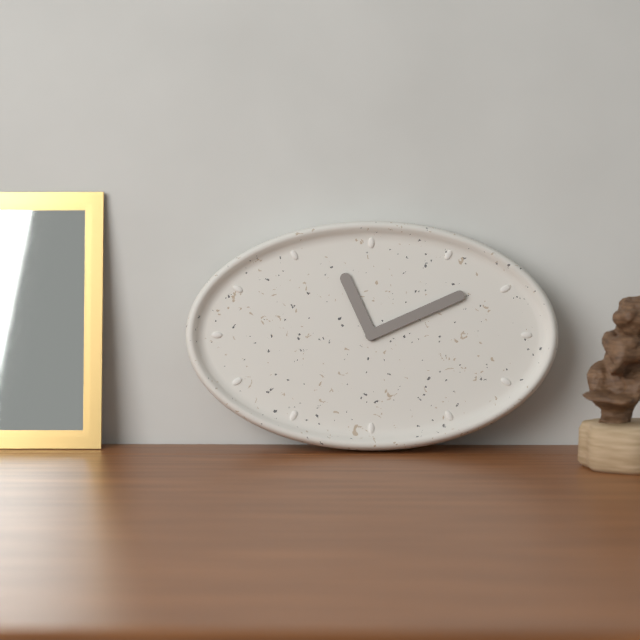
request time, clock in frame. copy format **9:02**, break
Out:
**11:11**
